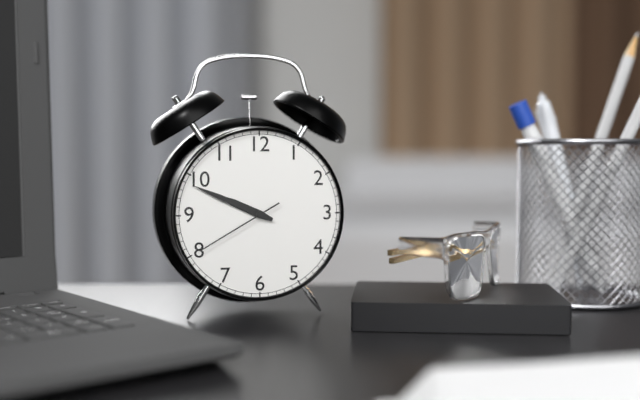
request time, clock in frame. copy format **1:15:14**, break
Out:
**9:49:40**
